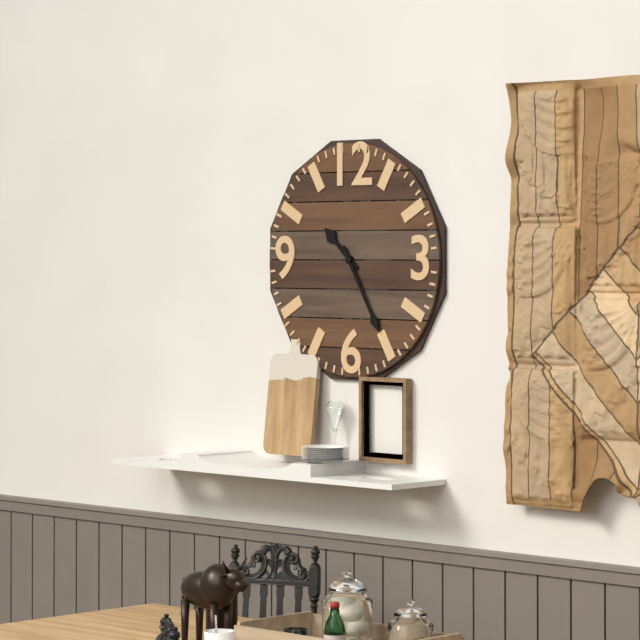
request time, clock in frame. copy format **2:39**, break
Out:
**10:25**
